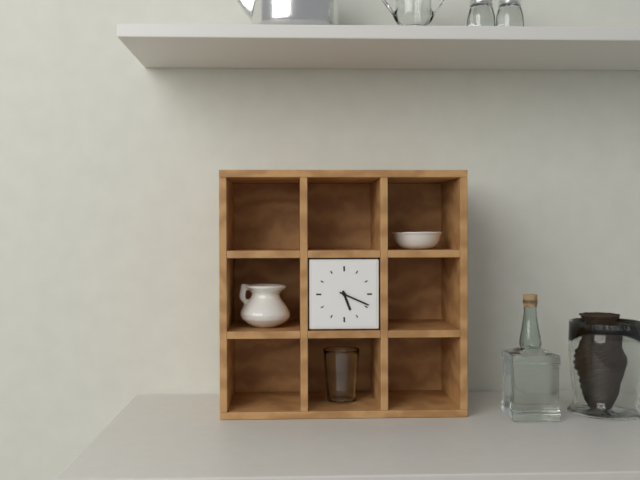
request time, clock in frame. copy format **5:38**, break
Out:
**5:19**
